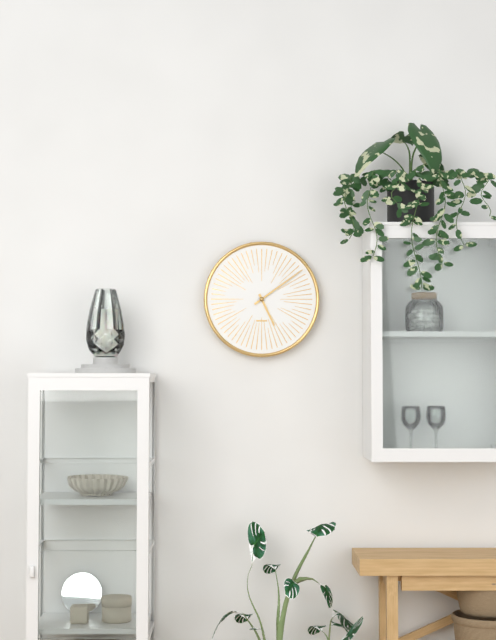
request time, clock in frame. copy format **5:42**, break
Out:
**5:09**
